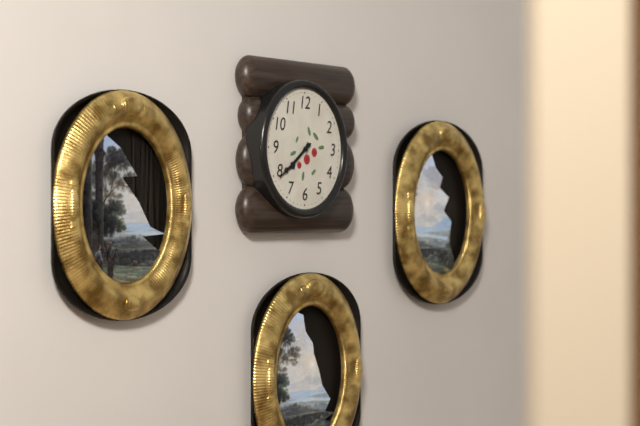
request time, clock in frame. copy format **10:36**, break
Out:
**7:39**
